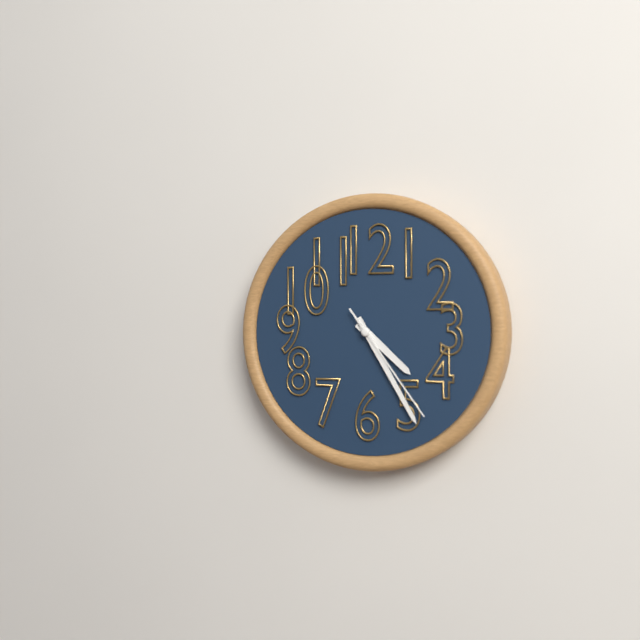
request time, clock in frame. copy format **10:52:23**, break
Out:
**4:25:24**
